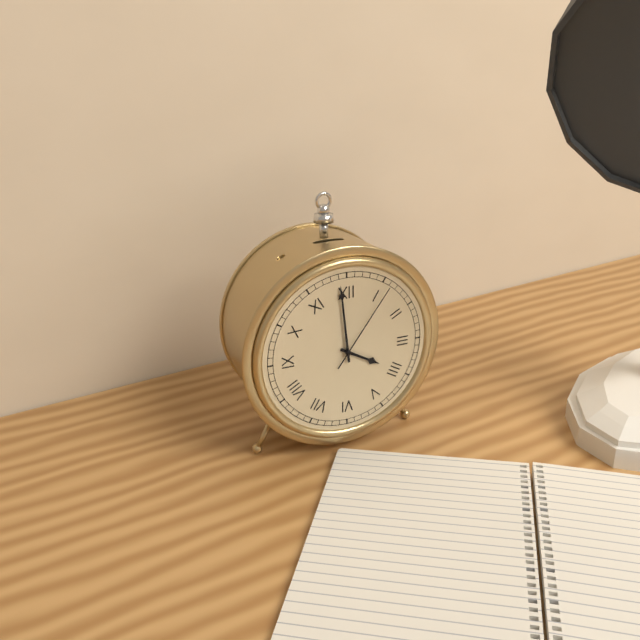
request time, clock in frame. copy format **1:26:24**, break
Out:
**3:59:06**
